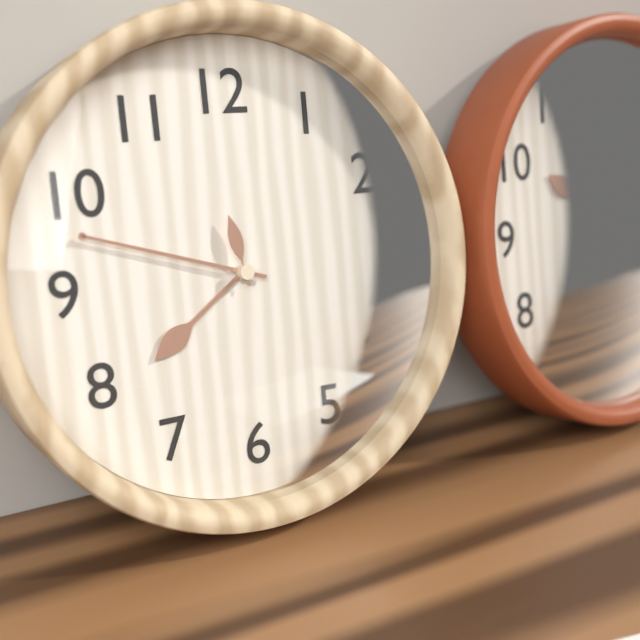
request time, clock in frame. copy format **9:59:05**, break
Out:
**7:48:58**
